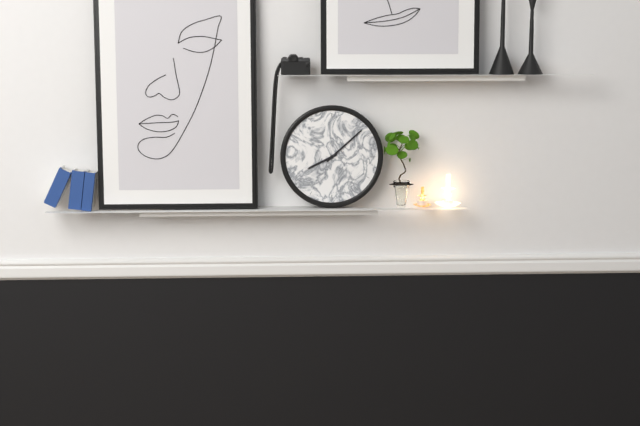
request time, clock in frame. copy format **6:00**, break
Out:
**8:08**
